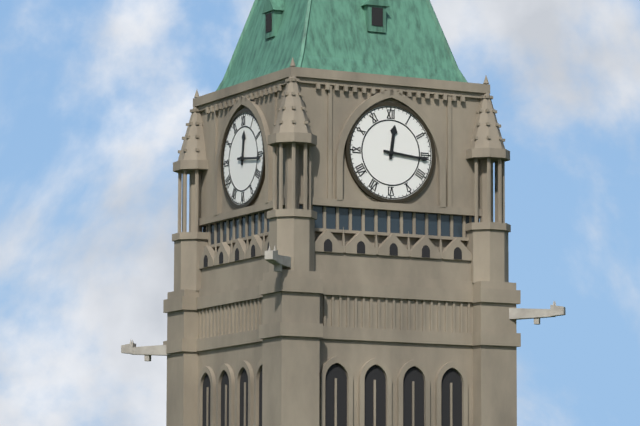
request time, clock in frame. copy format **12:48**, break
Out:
**12:16**
